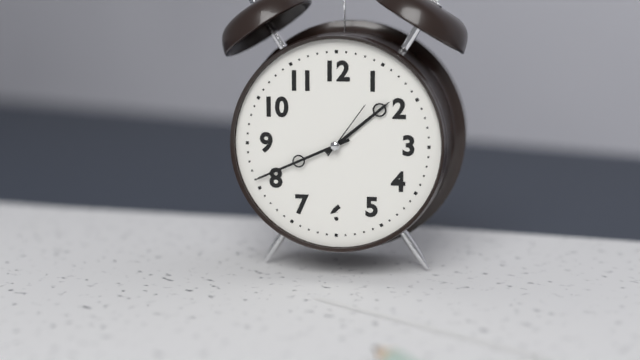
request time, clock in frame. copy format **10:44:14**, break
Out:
**1:41:06**
